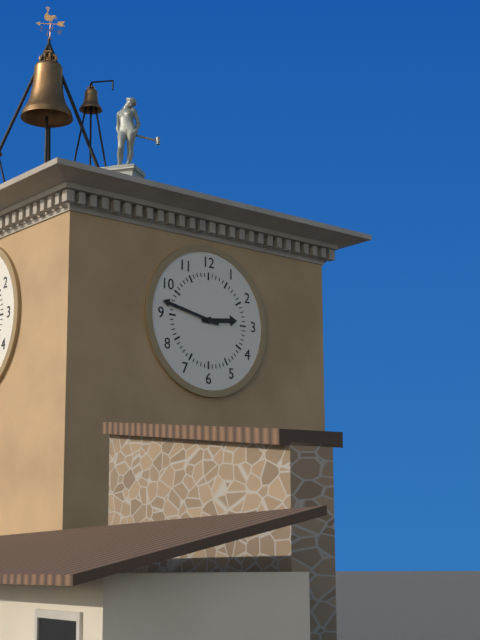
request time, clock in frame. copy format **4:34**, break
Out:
**2:47**
